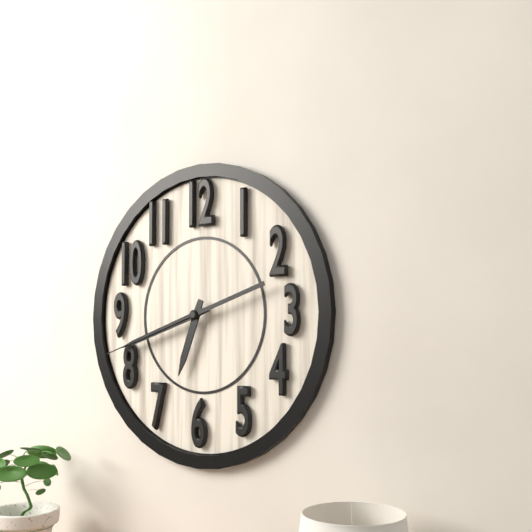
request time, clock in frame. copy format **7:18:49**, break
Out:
**6:42:42**
